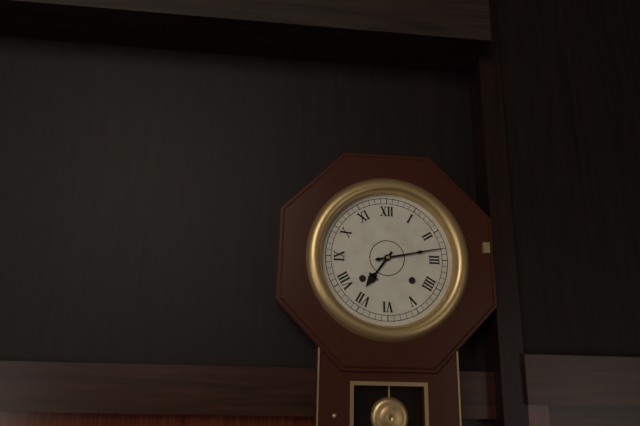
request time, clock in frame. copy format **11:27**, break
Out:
**7:13**
